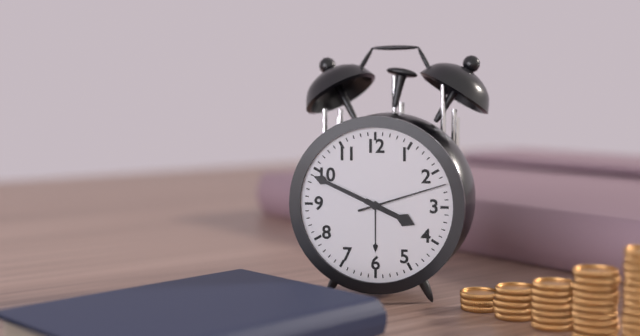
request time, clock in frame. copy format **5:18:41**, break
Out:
**3:49:12**
